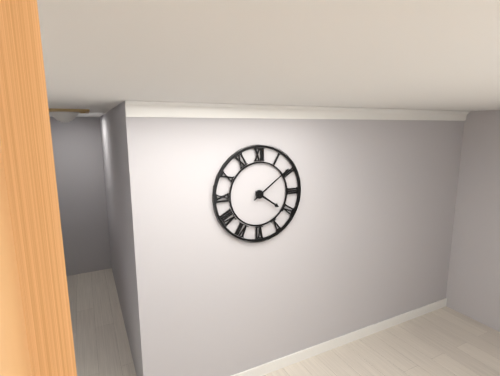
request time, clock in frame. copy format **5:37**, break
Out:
**4:09**
